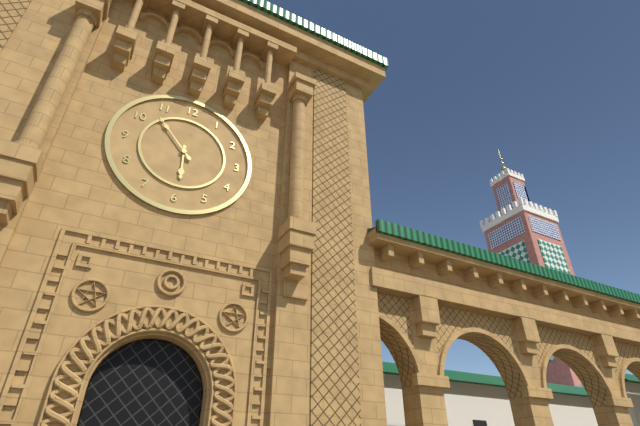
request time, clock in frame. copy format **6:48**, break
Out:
**5:53**
